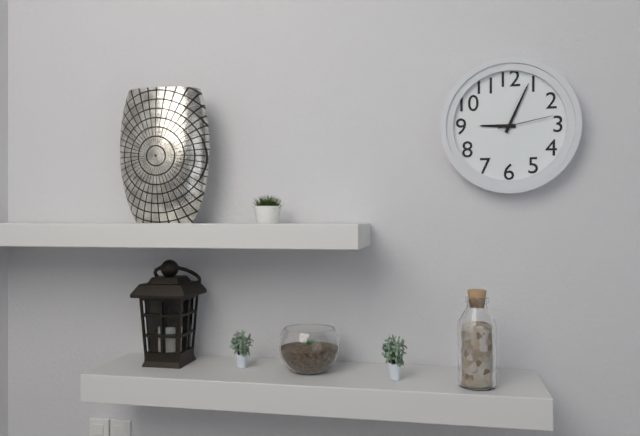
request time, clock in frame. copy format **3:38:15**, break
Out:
**9:04:13**
